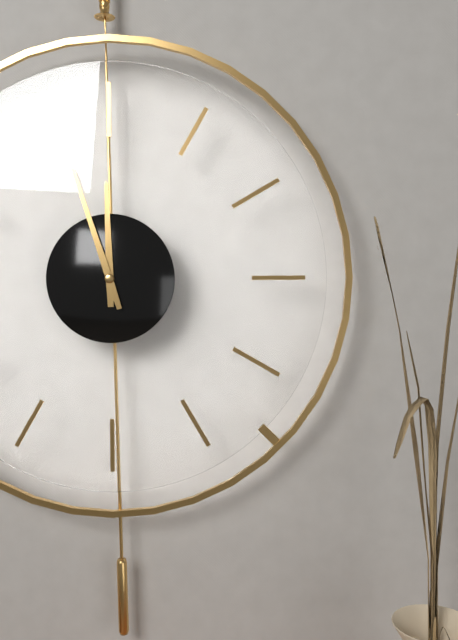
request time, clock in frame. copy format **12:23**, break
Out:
**11:57**
